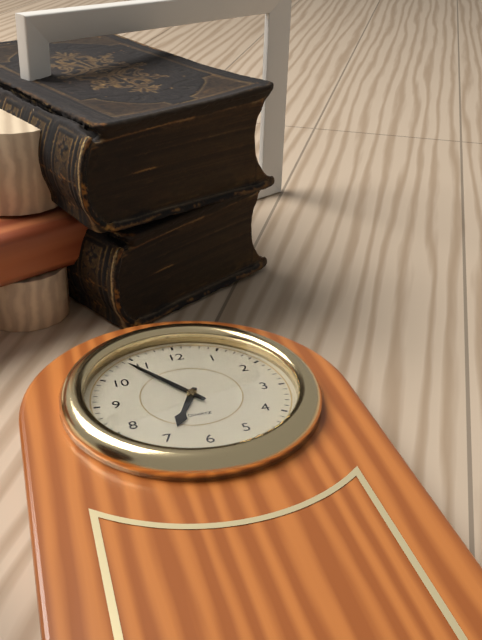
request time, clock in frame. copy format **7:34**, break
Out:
**6:54**
